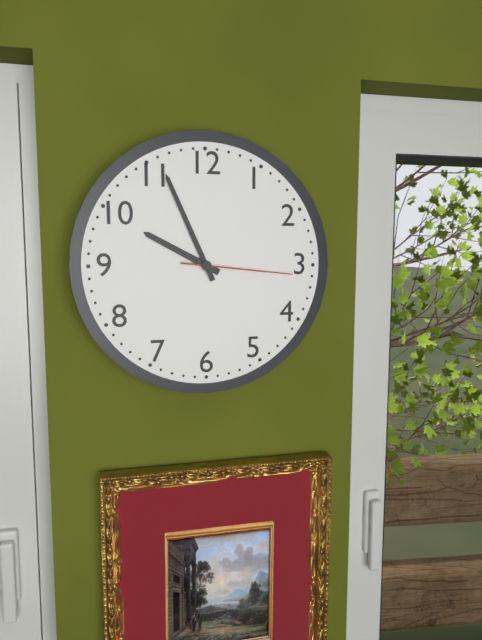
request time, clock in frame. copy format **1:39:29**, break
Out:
**9:56:16**
